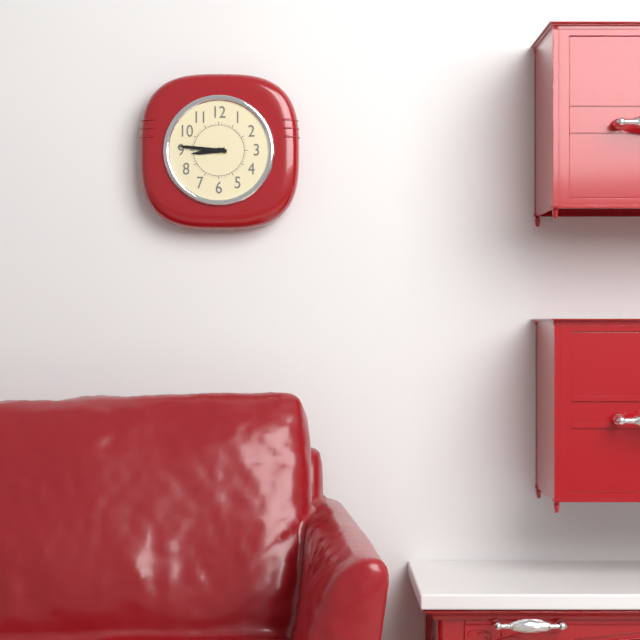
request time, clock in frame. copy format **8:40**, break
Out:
**8:46**
